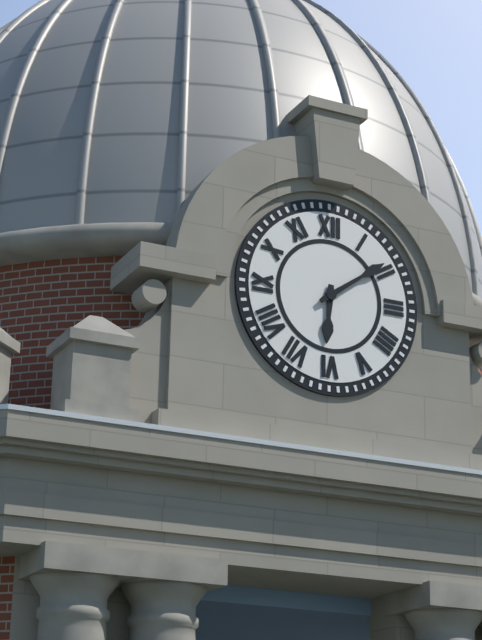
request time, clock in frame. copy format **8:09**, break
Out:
**6:09**
